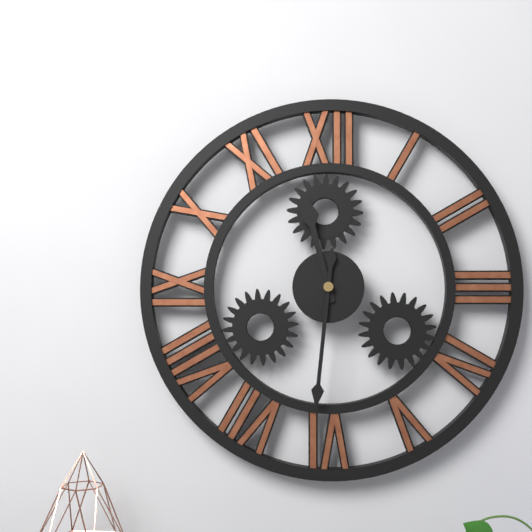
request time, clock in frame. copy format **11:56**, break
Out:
**11:31**
